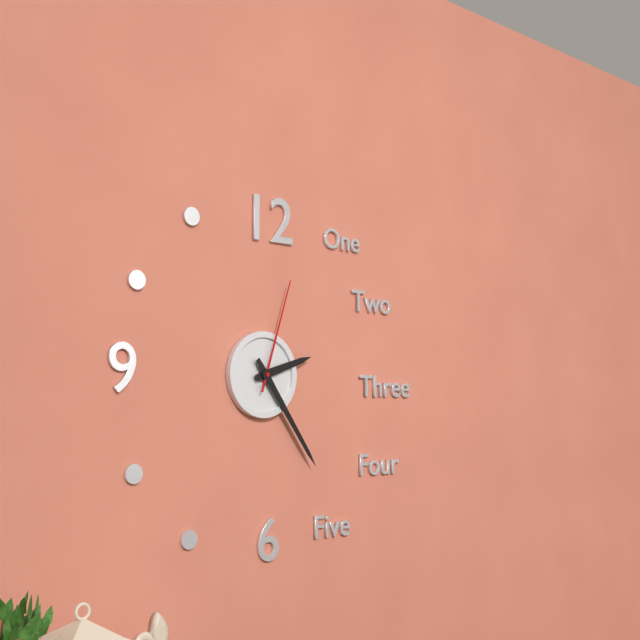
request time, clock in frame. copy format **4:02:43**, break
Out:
**2:24:03**
